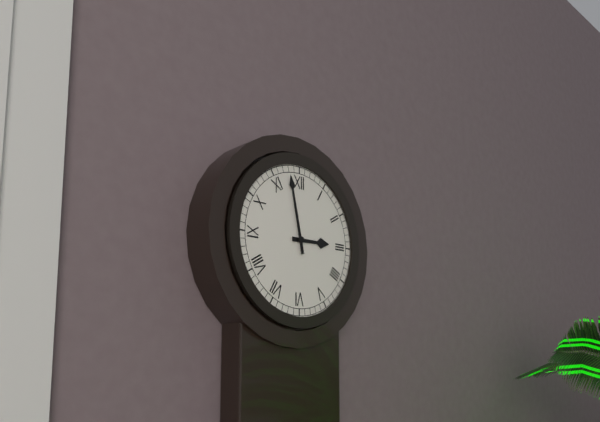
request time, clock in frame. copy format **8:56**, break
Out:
**2:58**
